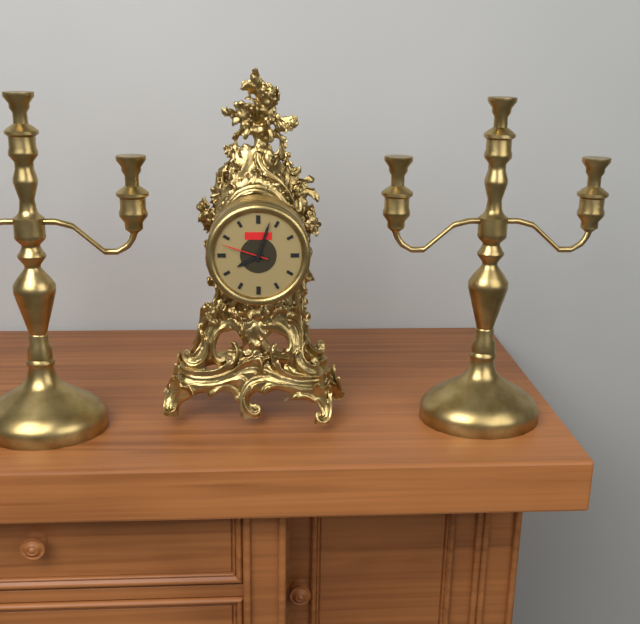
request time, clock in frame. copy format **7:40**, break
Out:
**8:03**
